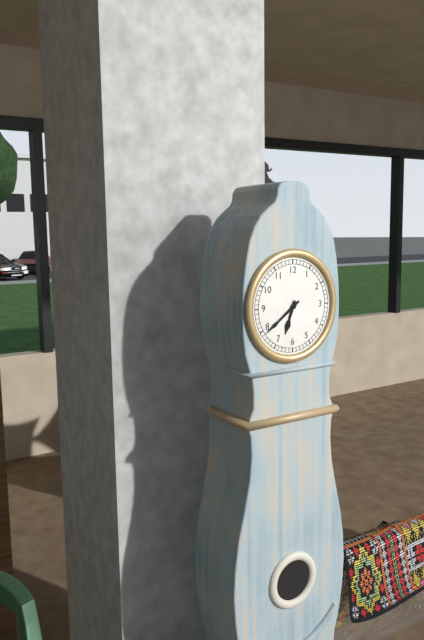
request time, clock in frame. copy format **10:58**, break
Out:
**6:39**
